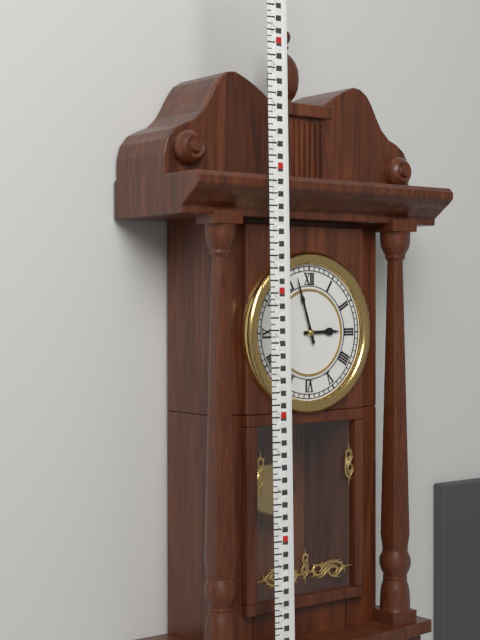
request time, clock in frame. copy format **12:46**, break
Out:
**2:57**
